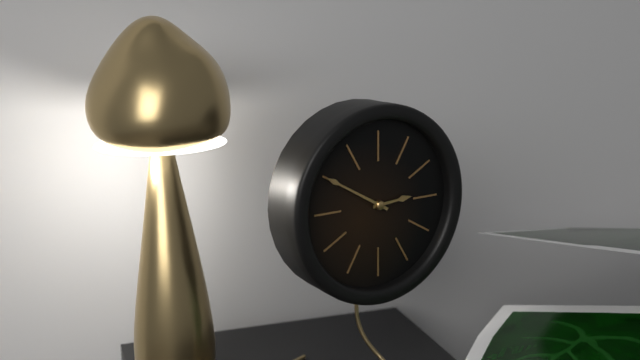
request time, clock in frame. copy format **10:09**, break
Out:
**2:50**
